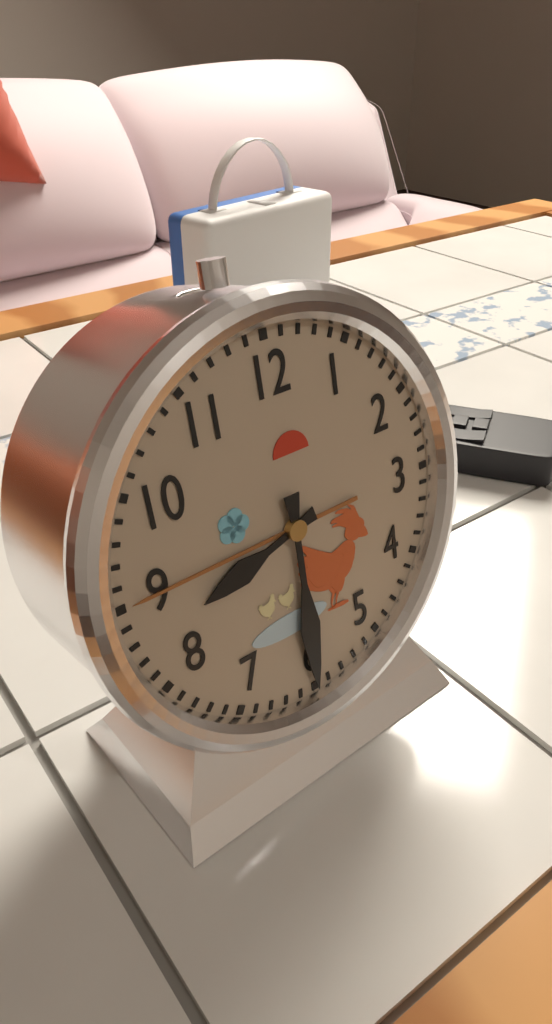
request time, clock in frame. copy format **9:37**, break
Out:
**8:30**
